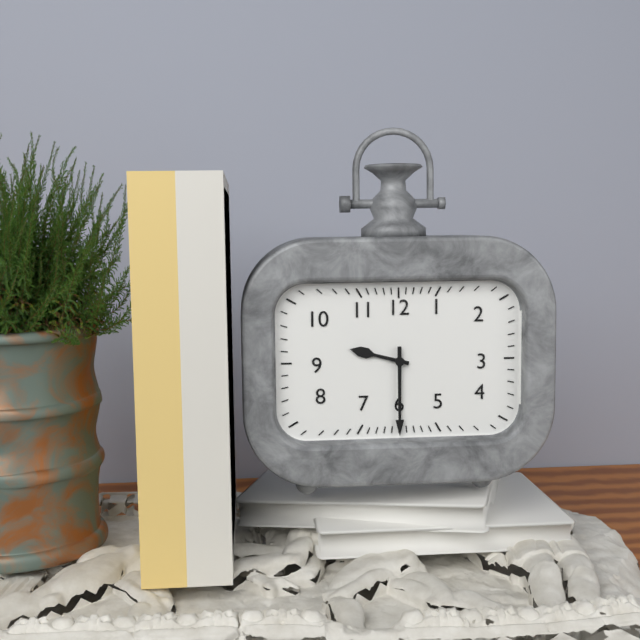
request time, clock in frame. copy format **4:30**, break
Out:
**9:30**
